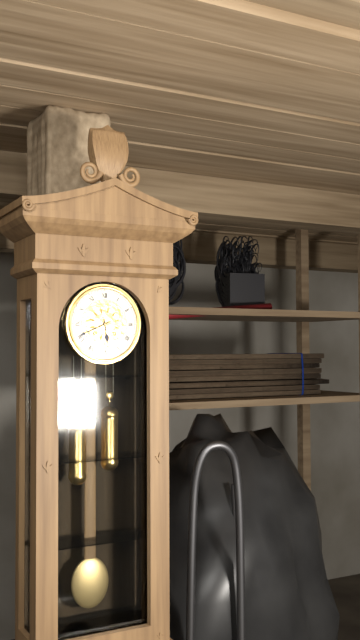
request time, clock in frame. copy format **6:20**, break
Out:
**5:41**
